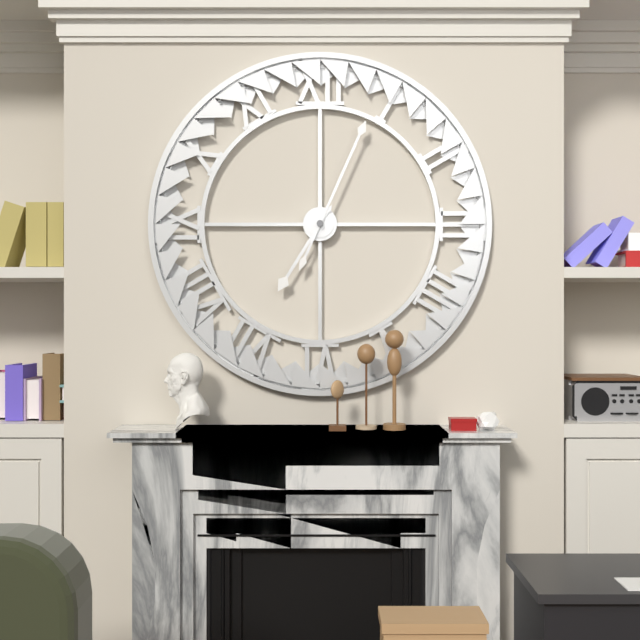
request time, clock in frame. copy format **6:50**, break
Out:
**7:04**
